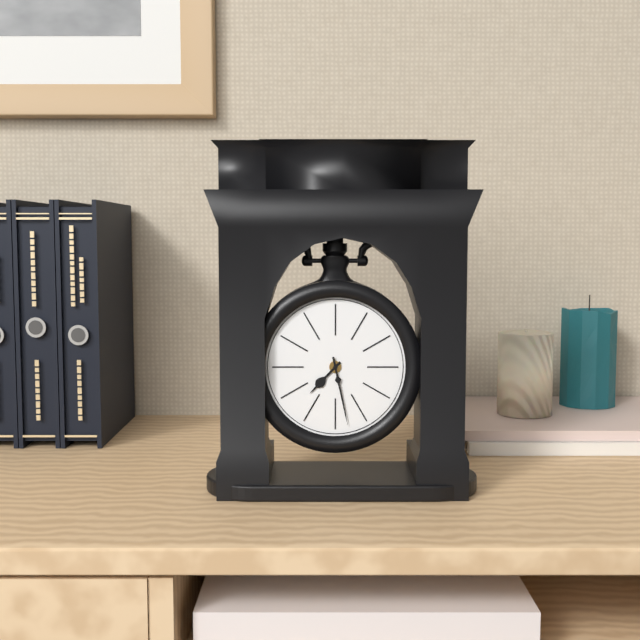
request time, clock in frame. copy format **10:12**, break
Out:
**7:28**
